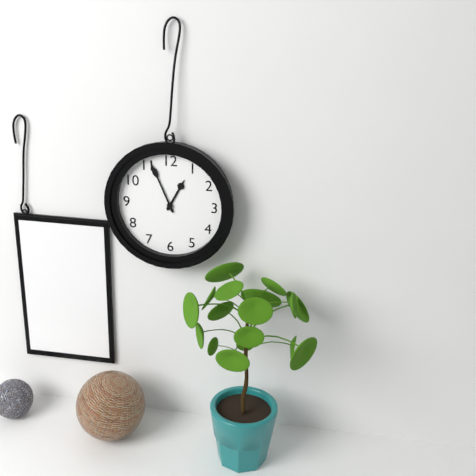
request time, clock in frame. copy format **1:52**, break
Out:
**12:56**
